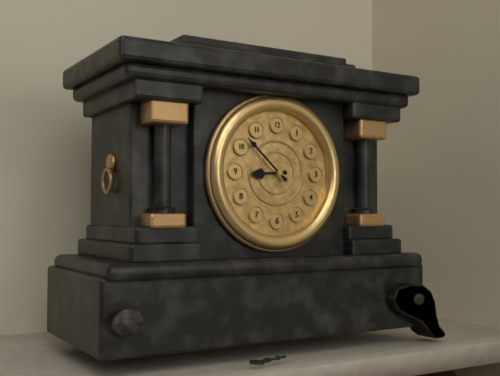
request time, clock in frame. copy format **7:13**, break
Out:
**8:52**
